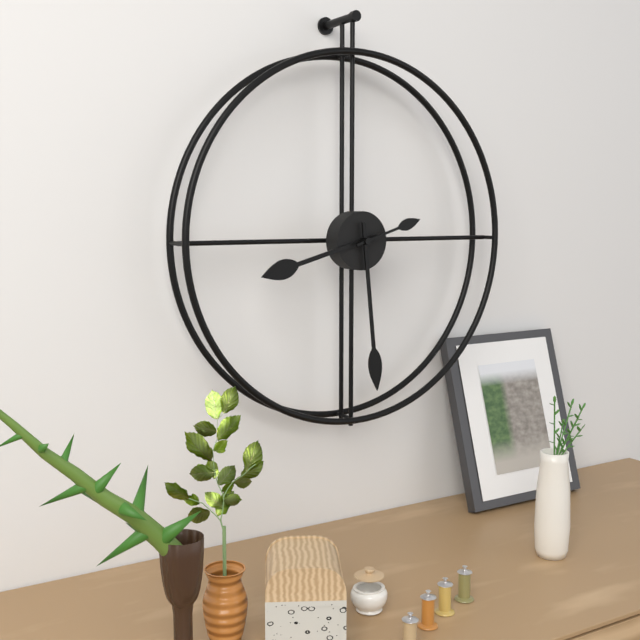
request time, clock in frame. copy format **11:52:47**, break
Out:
**8:29:12**
